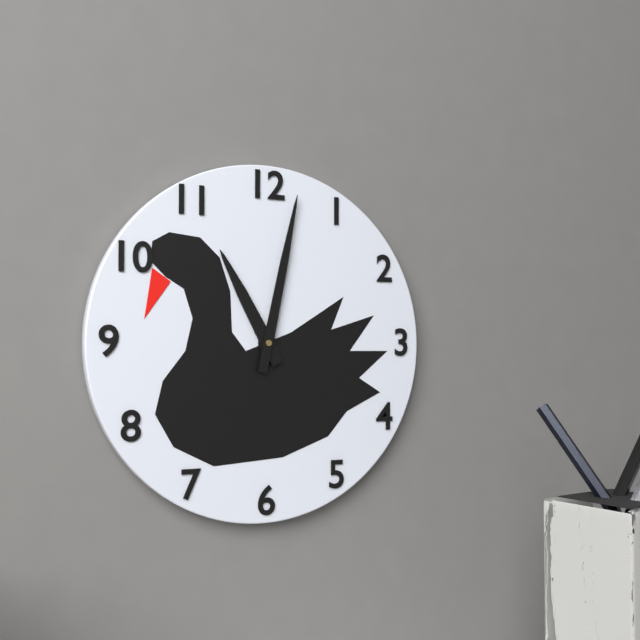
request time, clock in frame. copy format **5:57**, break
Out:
**11:02**
